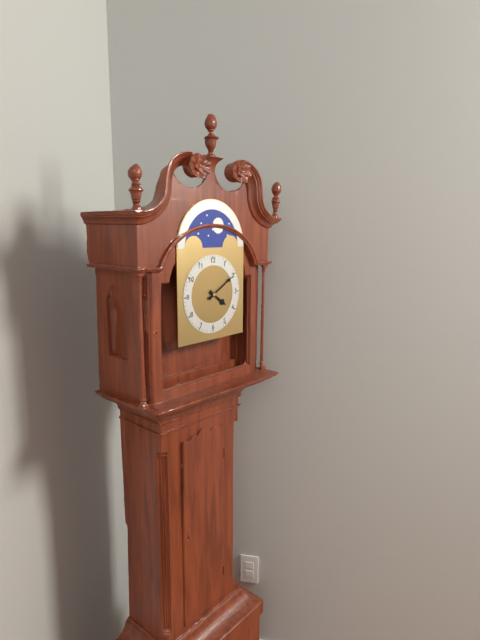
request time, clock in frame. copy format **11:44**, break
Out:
**4:10**
